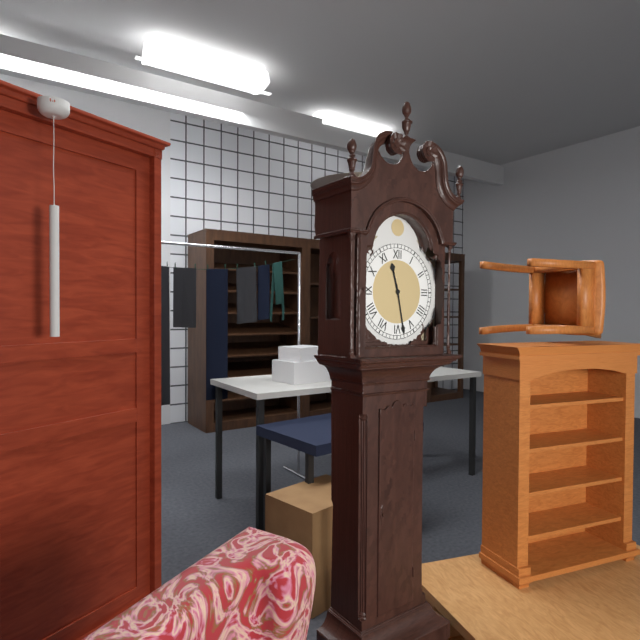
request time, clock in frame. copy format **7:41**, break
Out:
**11:28**
